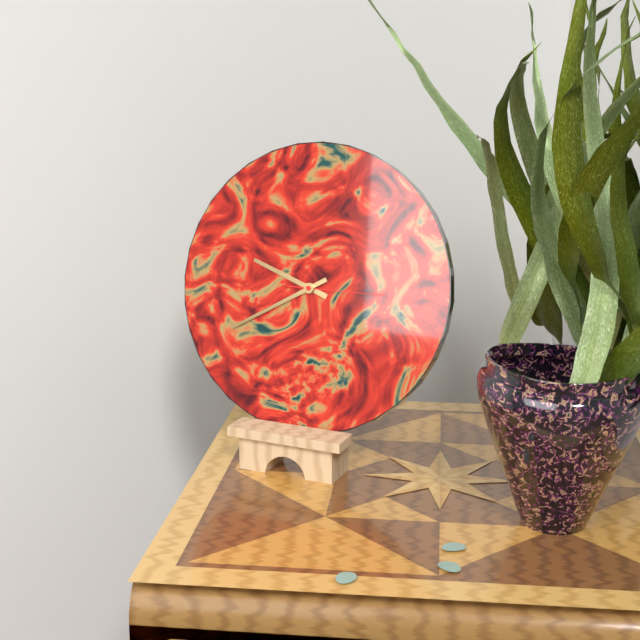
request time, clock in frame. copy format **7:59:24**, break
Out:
**9:40:15**
